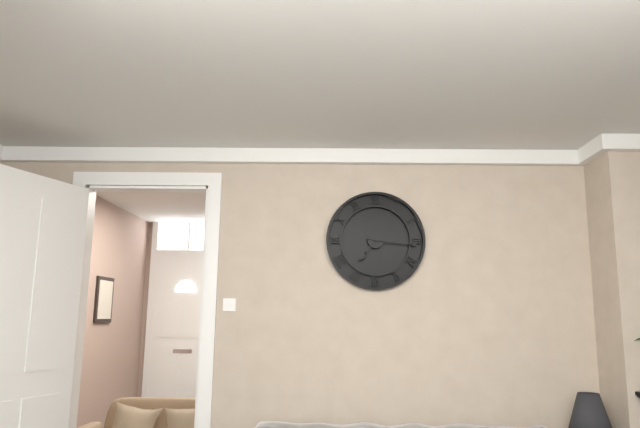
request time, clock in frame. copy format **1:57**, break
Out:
**7:16**
